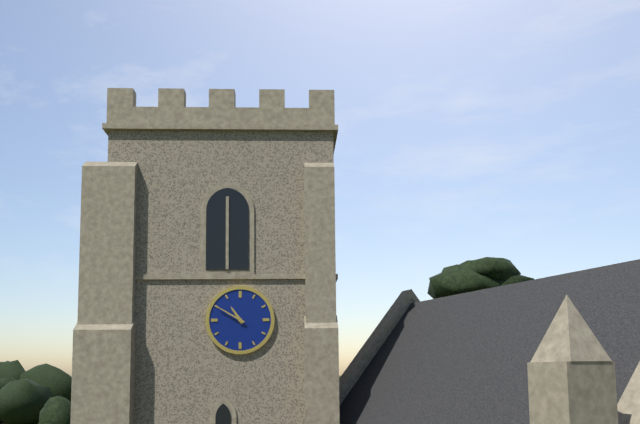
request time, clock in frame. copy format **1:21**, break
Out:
**10:50**
